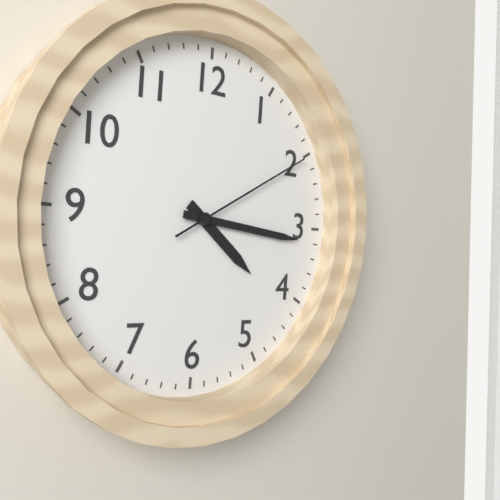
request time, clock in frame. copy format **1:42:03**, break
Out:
**4:16:10**
